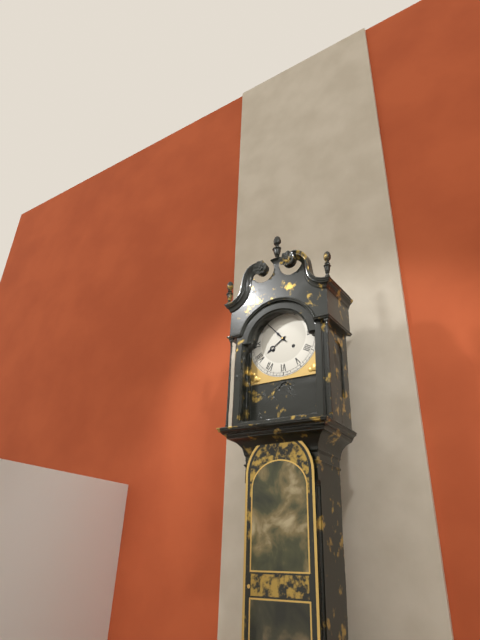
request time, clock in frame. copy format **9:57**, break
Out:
**7:53**
